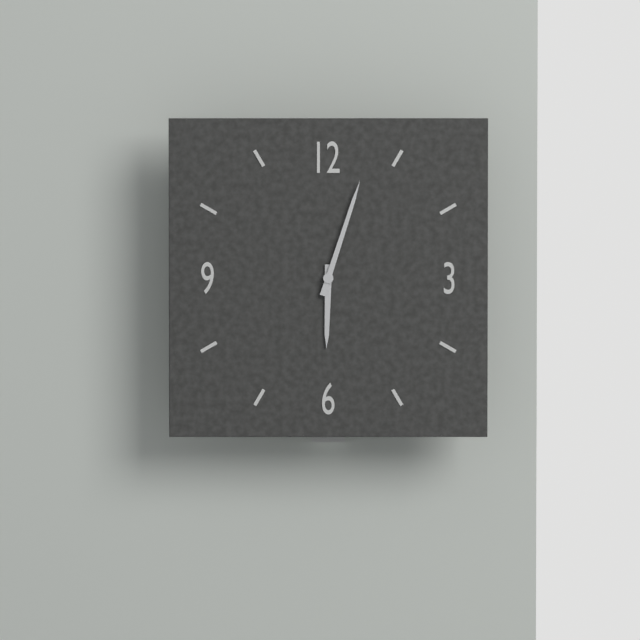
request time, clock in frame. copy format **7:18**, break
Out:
**6:03**
